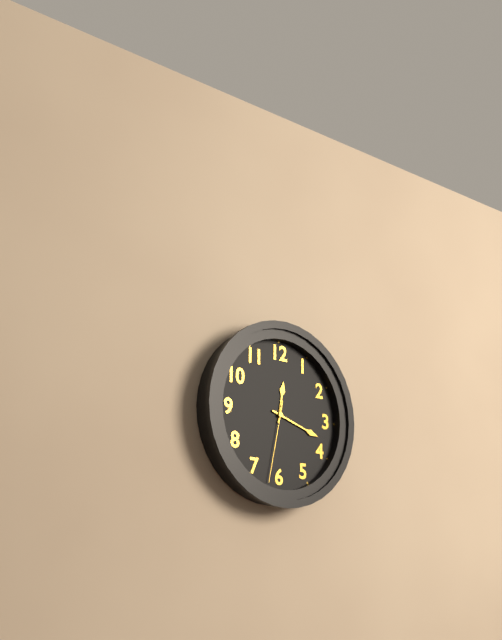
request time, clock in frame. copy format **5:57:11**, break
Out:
**12:18:32**
